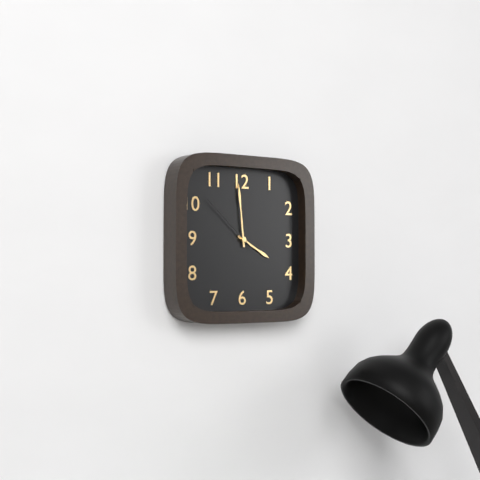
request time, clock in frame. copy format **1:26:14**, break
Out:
**3:59:52**
